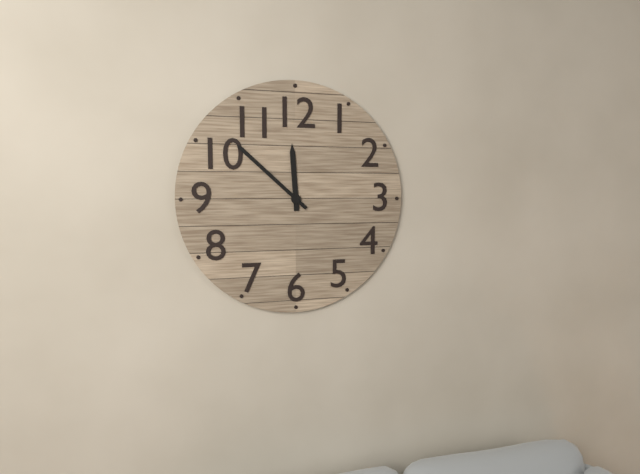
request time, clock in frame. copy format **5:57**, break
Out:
**11:52**
